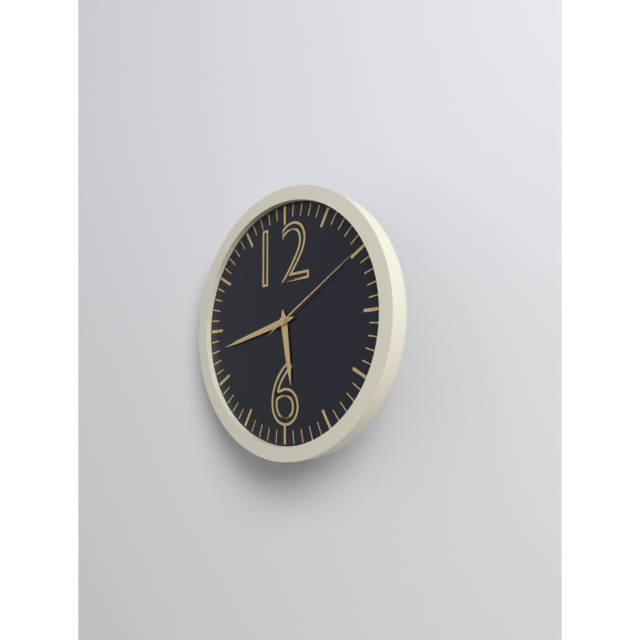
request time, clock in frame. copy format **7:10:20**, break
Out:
**5:43:10**
